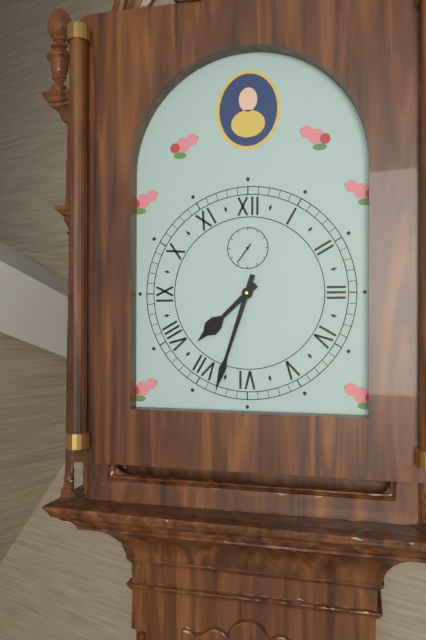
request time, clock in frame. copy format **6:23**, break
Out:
**7:33**
